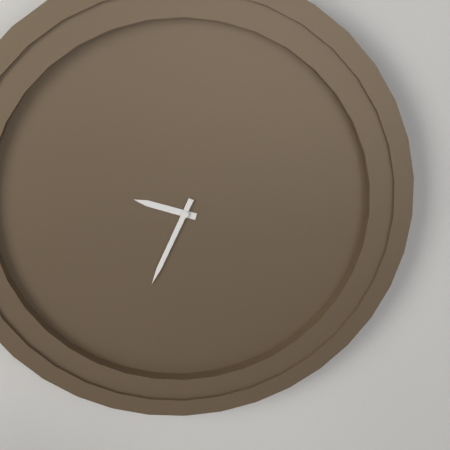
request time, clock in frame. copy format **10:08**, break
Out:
**9:34**
